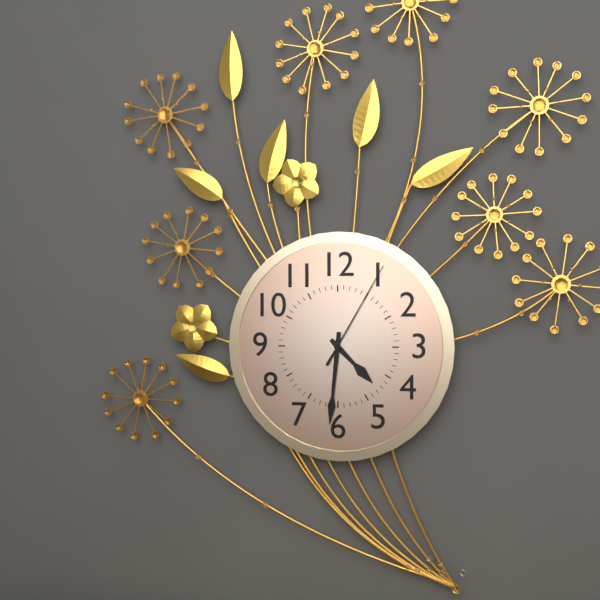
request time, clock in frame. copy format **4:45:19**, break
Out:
**4:31:05**
